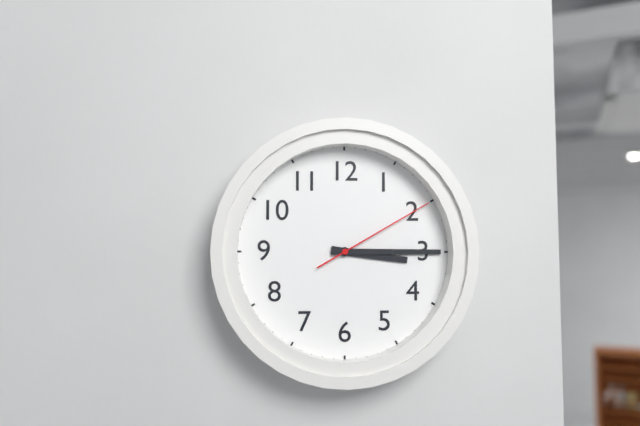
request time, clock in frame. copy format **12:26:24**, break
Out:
**3:15:10**
